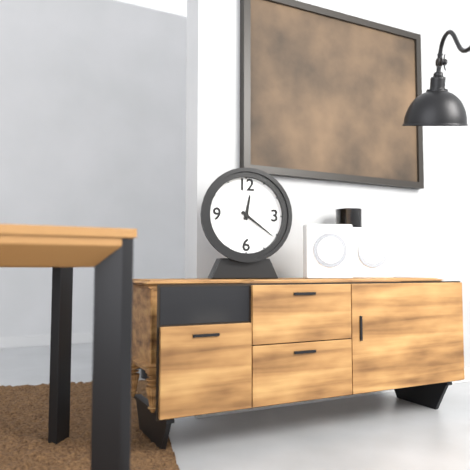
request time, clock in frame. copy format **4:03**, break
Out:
**12:21**
